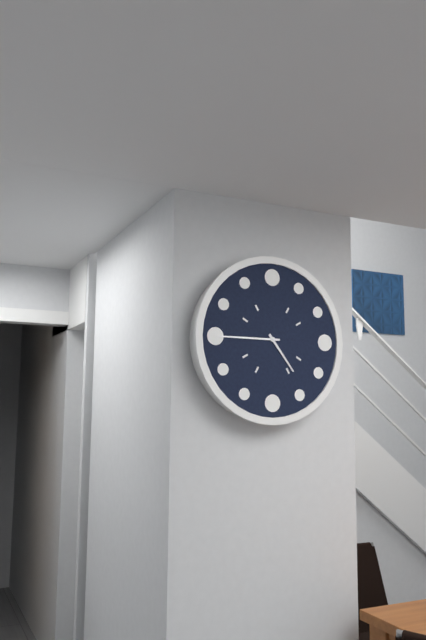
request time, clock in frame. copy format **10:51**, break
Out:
**4:45**
